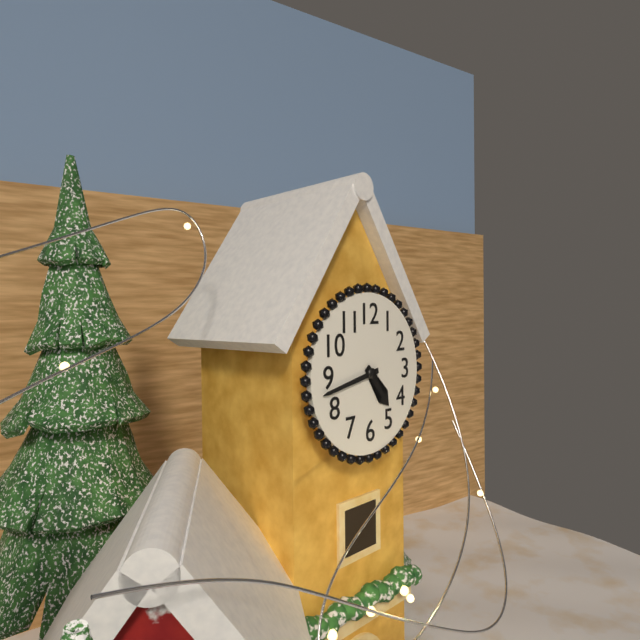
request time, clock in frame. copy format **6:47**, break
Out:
**4:43**
